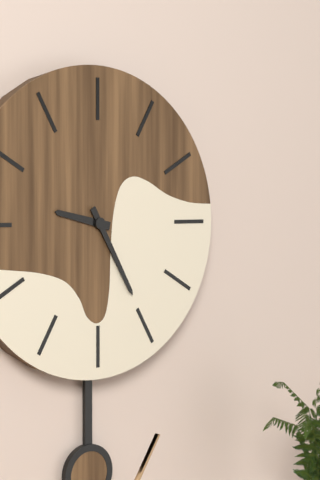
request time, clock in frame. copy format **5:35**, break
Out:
**9:25**
